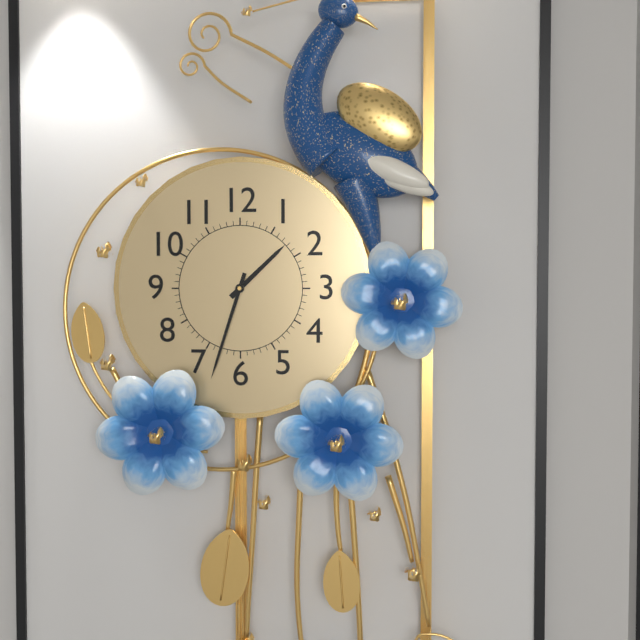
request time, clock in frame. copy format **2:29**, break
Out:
**1:33**
